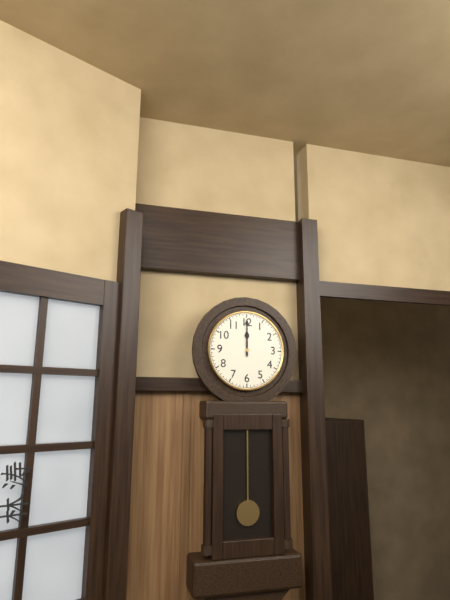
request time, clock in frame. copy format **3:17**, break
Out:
**12:00**
